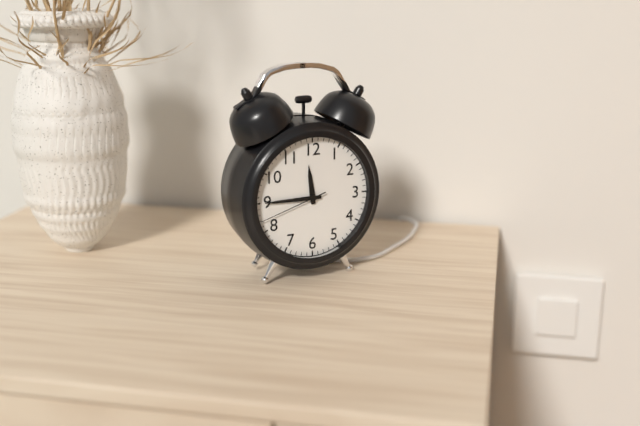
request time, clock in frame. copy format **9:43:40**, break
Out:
**11:45:42**
